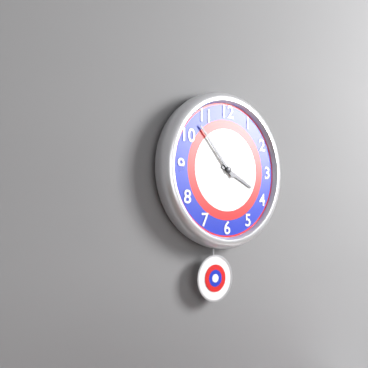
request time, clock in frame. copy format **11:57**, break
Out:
**3:53**
